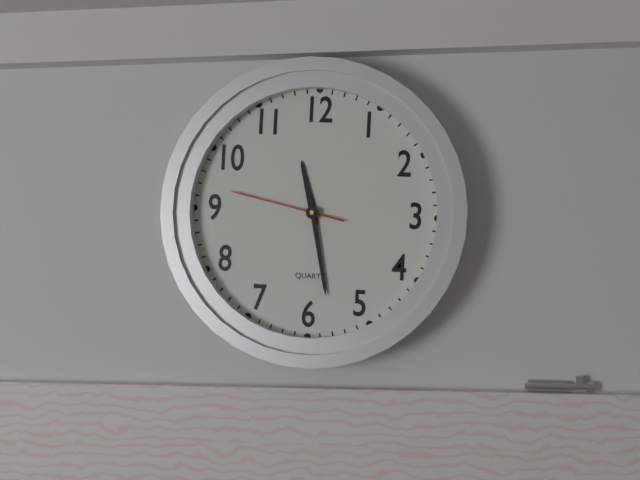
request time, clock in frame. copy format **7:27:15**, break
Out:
**11:28:47**
